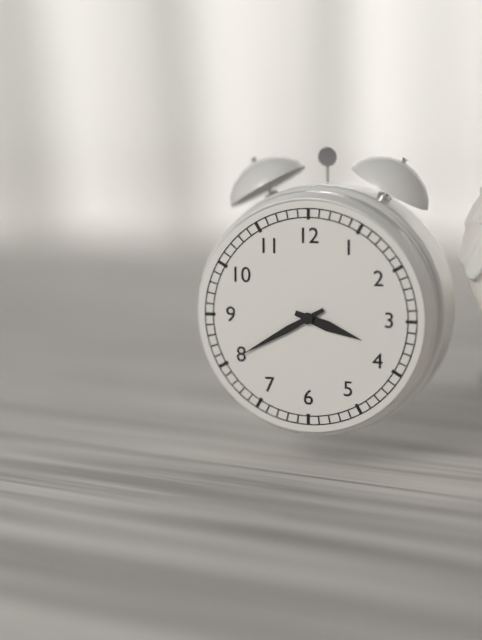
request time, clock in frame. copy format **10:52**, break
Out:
**3:40**
